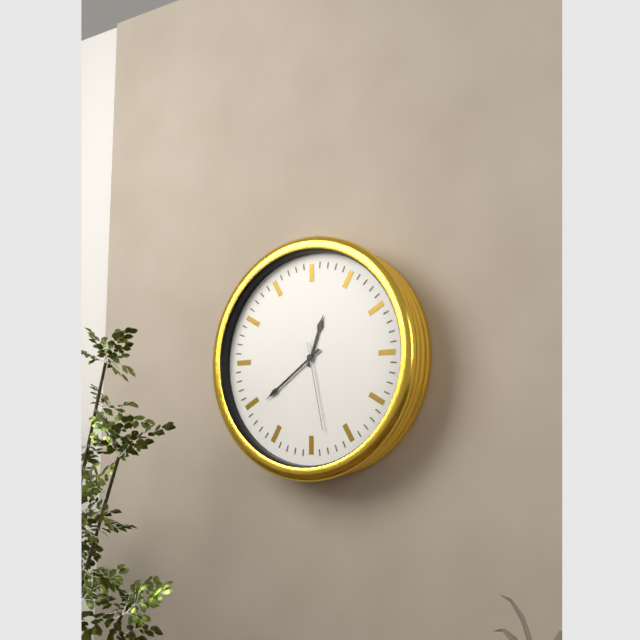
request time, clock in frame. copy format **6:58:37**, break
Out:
**12:39:28**
